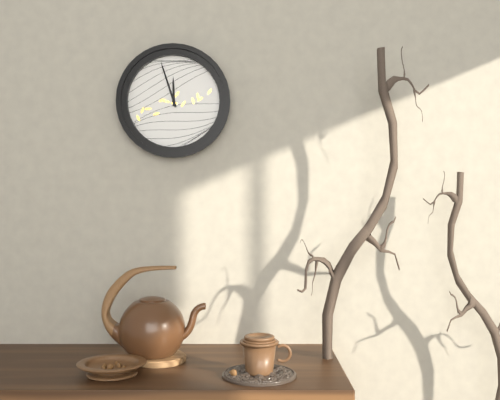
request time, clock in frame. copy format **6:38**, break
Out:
**11:57**
